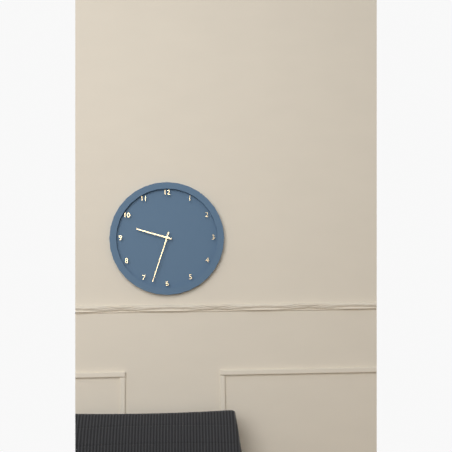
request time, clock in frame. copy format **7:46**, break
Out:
**9:33**
